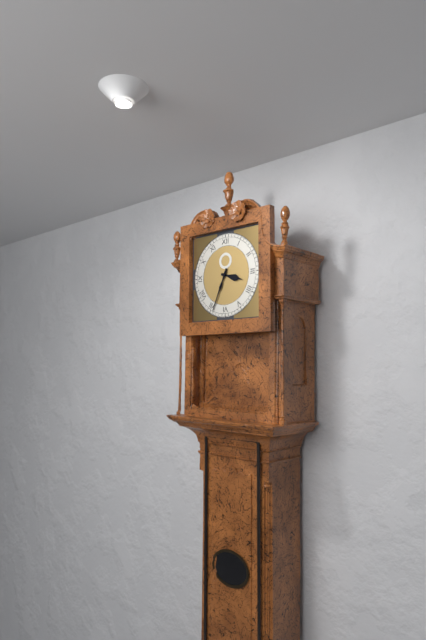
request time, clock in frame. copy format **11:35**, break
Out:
**3:34**
